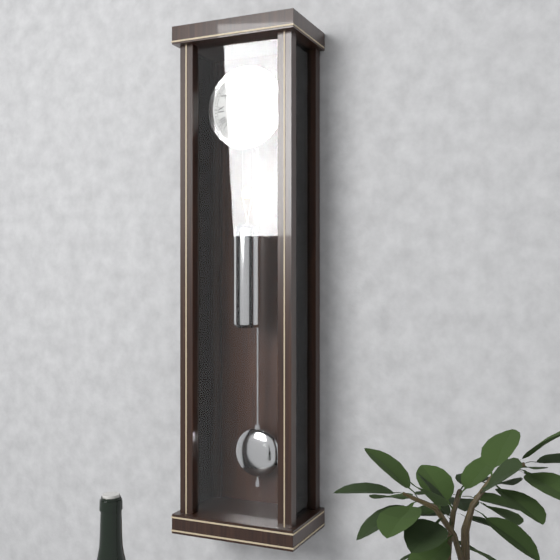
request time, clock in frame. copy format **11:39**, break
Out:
**12:27**
